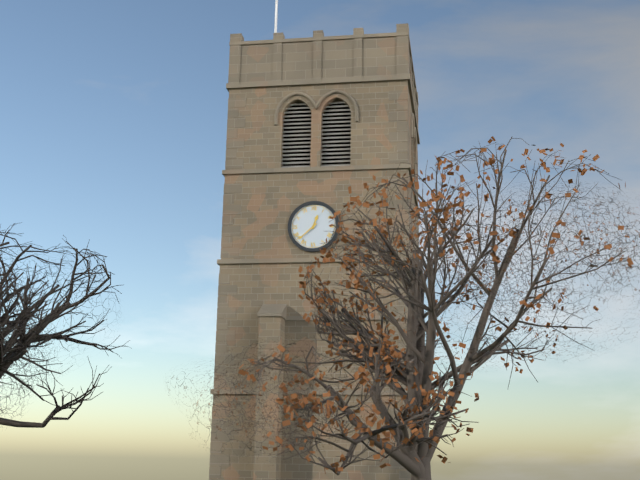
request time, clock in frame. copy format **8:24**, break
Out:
**12:38**
